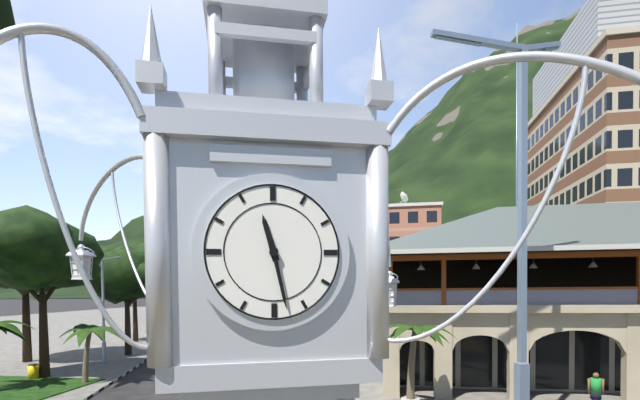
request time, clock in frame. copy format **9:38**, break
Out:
**11:28**
